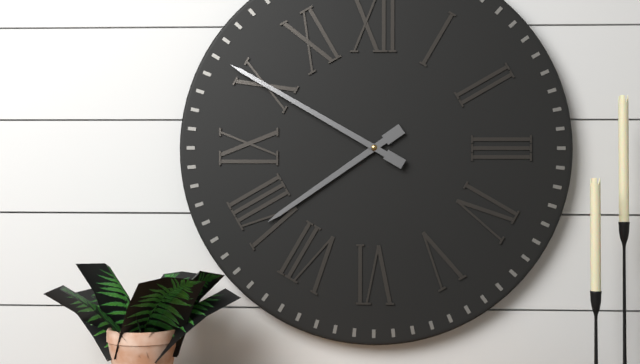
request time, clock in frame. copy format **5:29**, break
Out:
**7:50**
